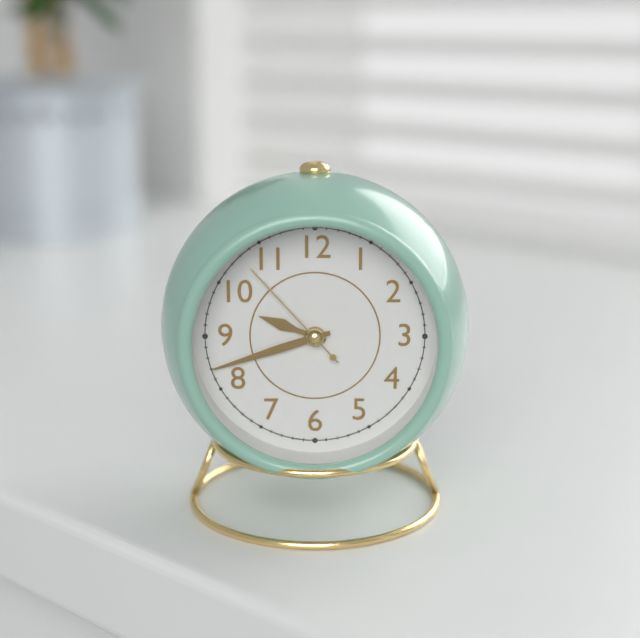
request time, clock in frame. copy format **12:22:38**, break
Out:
**9:42:53**
